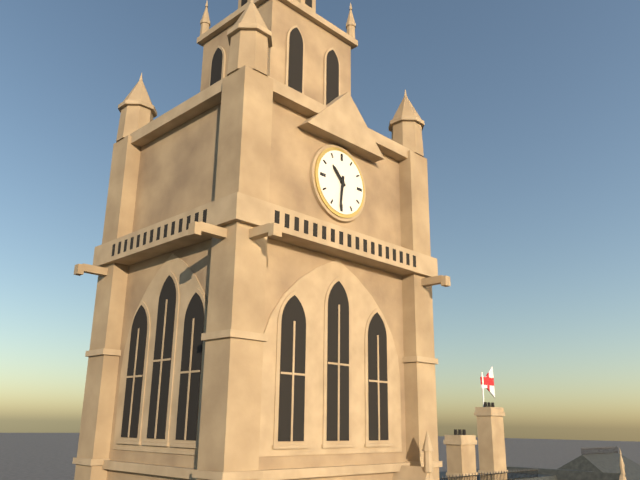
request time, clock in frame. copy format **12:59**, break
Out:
**10:31**
